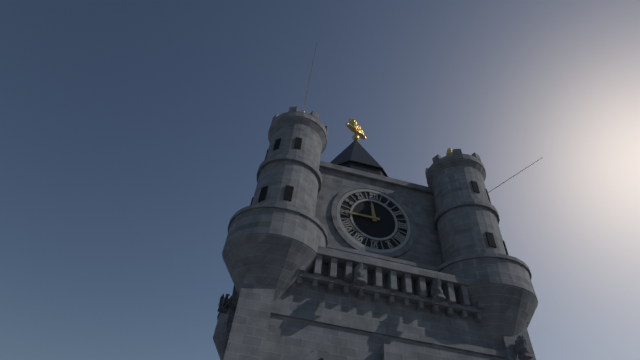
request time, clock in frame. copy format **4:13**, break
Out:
**11:45**
